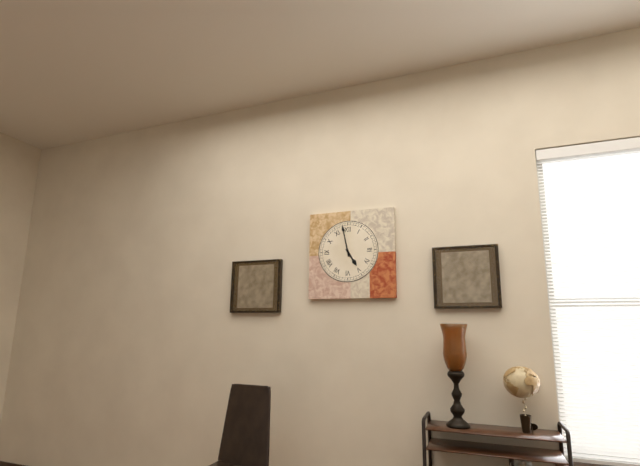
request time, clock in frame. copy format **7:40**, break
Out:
**4:58**
